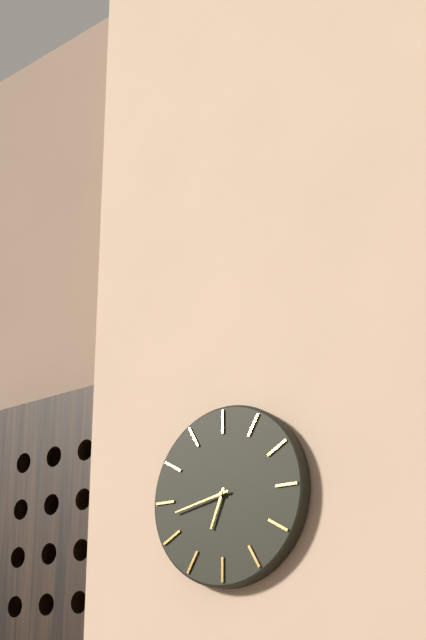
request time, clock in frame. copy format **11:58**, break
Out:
**6:43**
